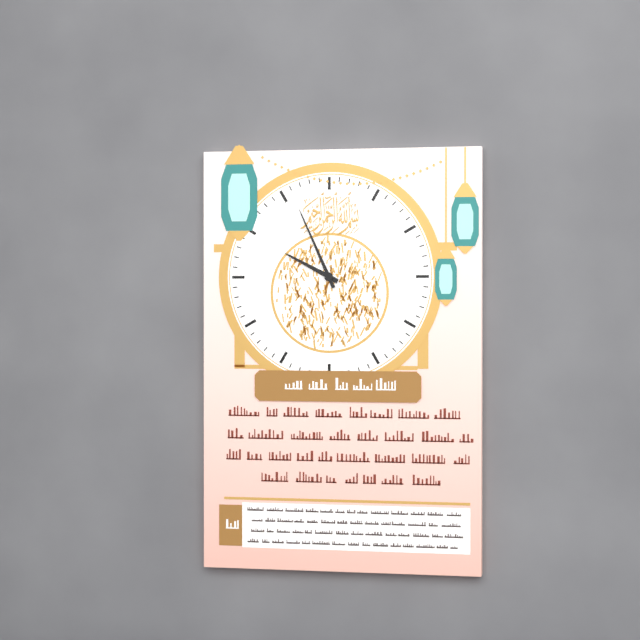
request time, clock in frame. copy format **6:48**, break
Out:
**9:56**
